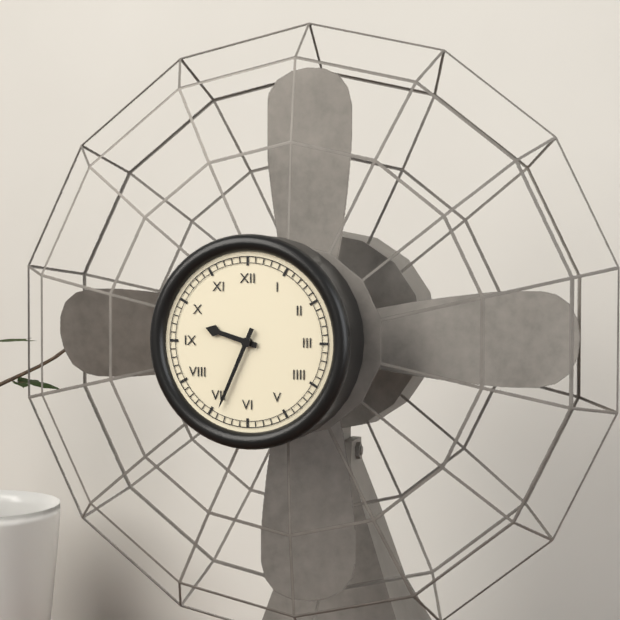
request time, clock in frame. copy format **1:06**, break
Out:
**9:34**
